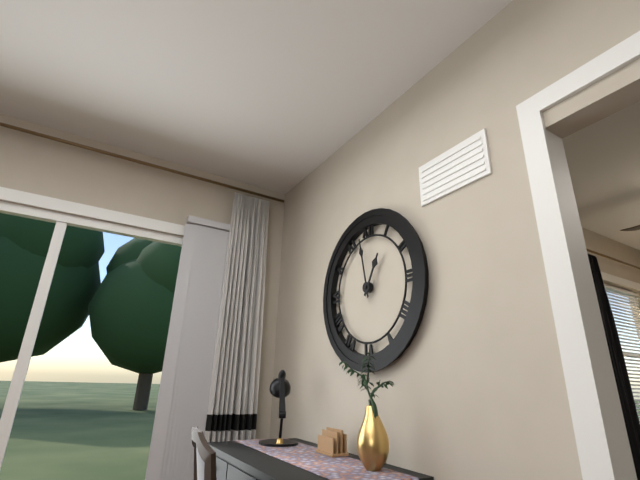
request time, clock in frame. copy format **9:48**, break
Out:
**12:58**
